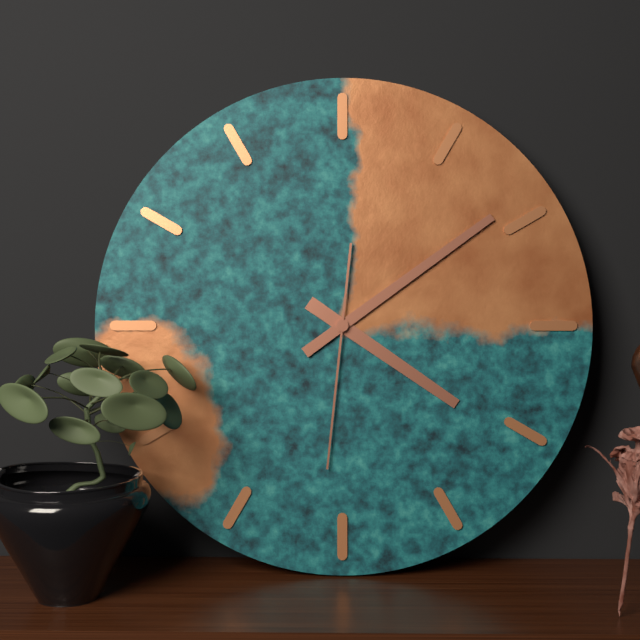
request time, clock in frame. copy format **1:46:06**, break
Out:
**4:09:31**
